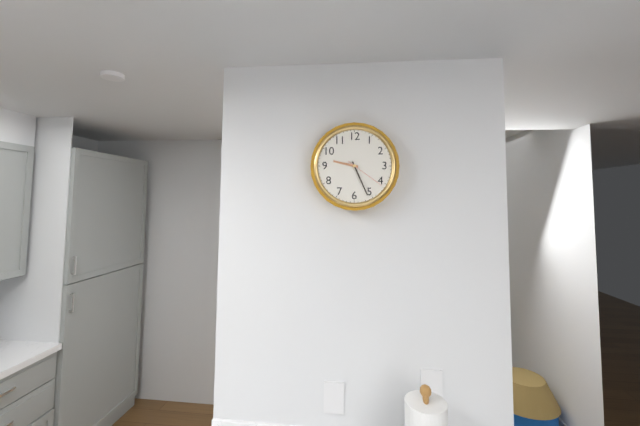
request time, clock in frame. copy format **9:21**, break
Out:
**9:26**
